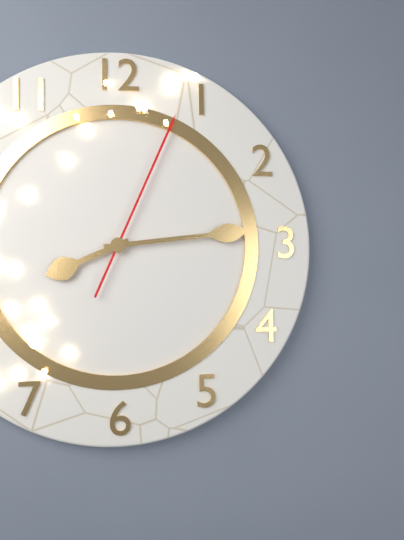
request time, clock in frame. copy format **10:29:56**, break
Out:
**8:14:04**
